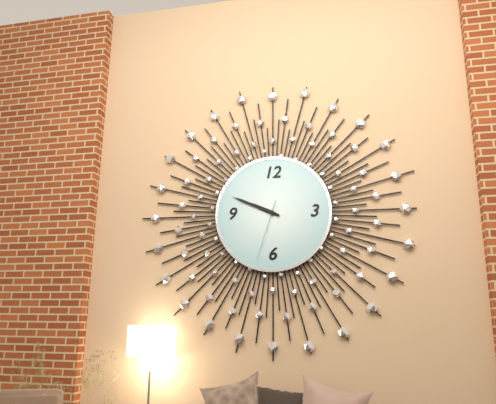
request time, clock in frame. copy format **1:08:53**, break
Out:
**9:49:33**
